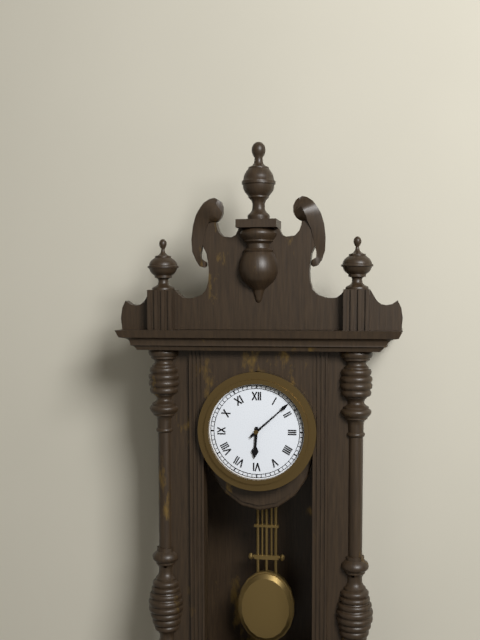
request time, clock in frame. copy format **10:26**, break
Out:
**6:08**
